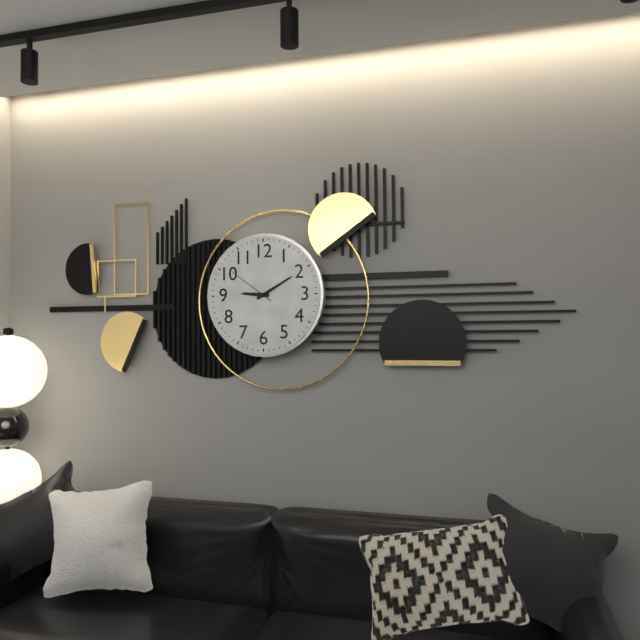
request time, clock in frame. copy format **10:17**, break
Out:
**9:10**
